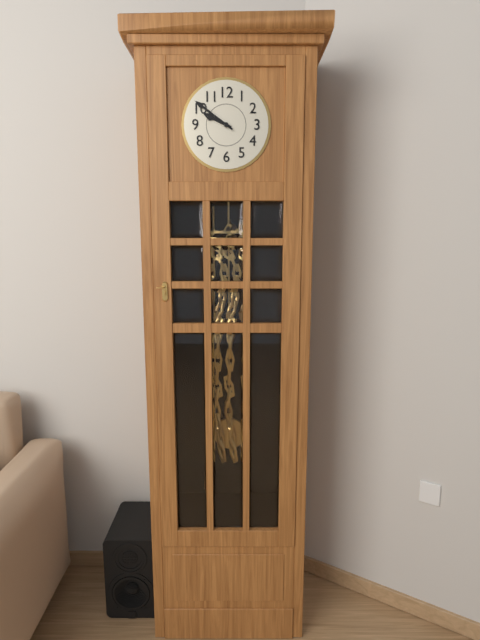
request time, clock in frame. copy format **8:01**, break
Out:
**9:51**
